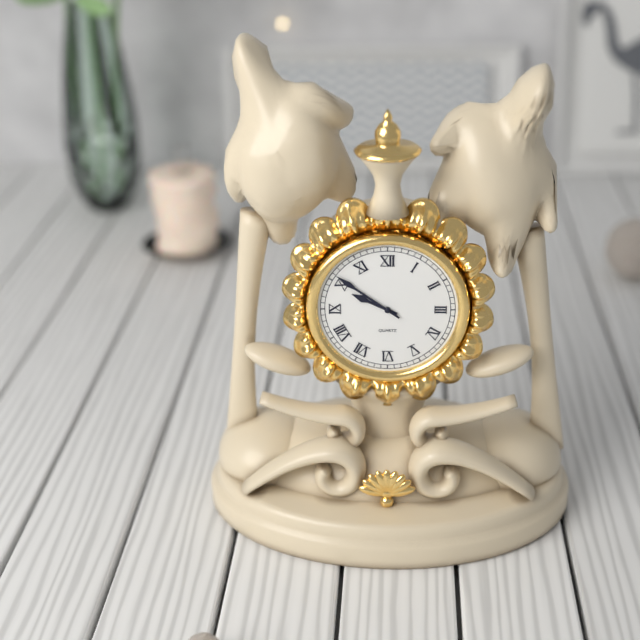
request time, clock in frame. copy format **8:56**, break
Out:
**9:51**
